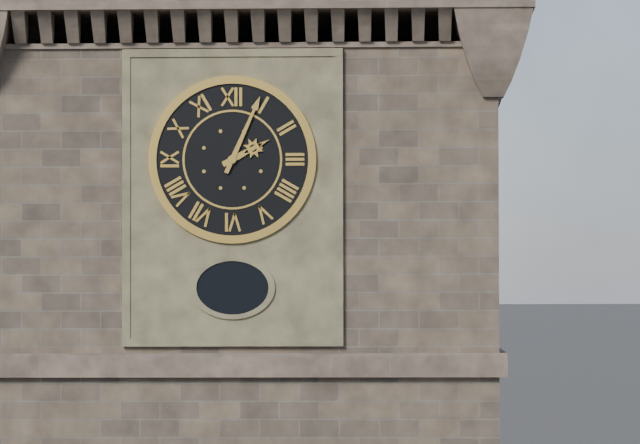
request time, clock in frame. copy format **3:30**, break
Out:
**2:04**
